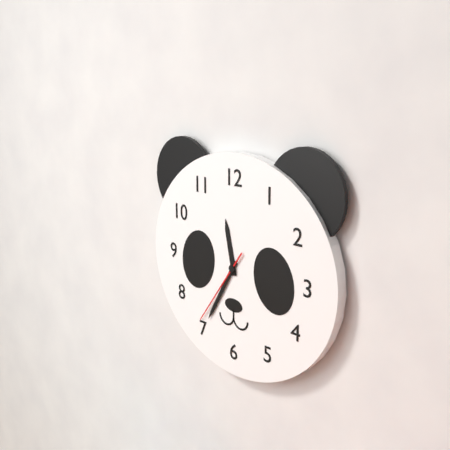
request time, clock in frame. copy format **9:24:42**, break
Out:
**11:35:36**
